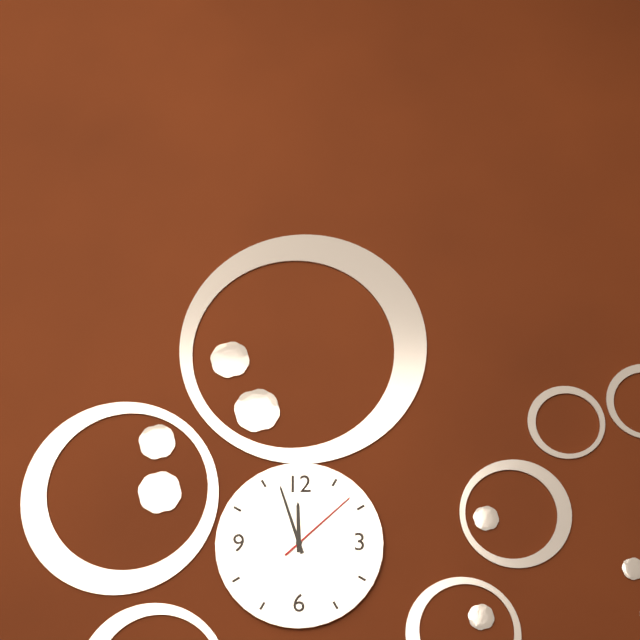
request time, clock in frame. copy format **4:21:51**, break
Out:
**11:57:08**
